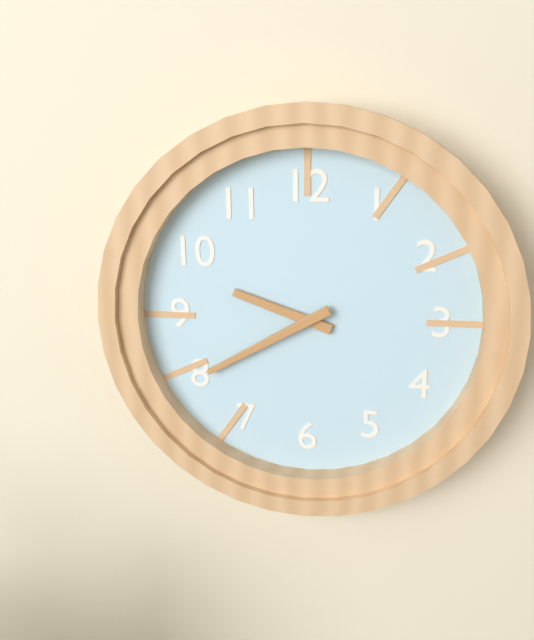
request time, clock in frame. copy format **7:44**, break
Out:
**9:40**
